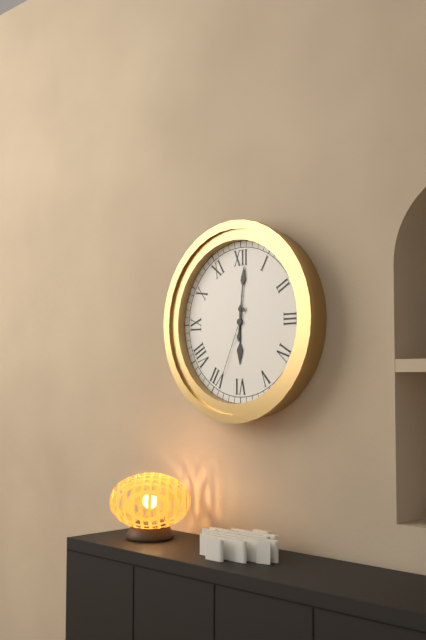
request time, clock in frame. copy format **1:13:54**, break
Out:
**6:01:34**
